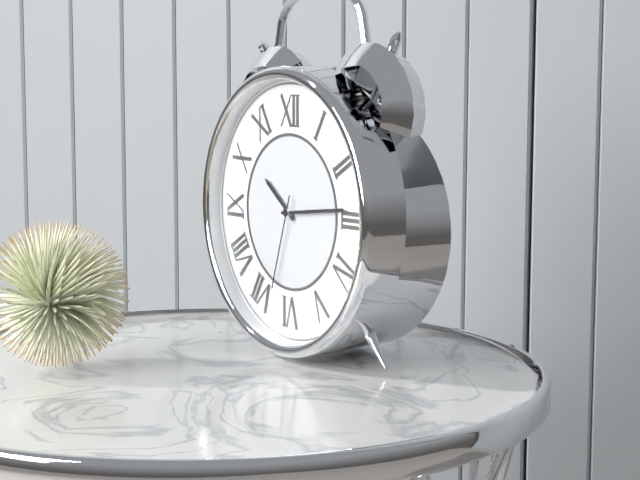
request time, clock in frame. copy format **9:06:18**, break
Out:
**10:14:33**
